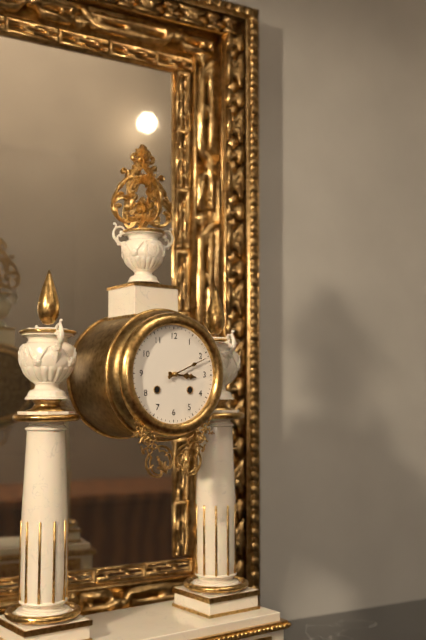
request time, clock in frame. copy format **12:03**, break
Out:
**3:11**
